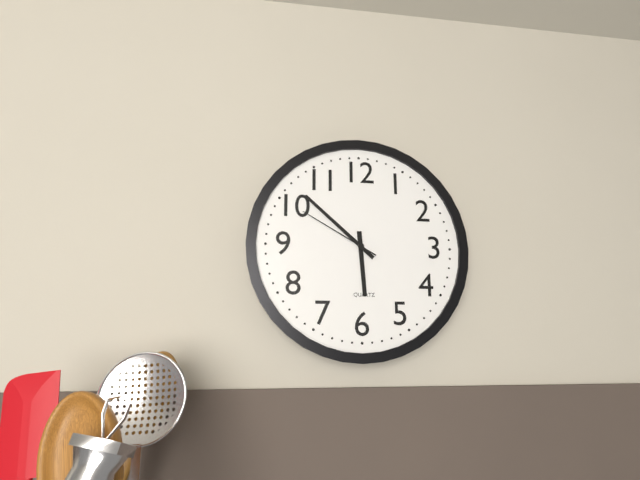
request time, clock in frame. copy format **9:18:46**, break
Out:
**5:52:50**
